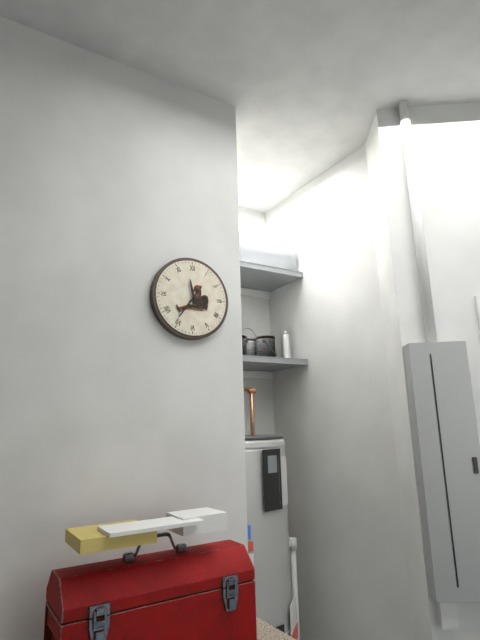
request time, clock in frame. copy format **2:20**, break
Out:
**11:36**
